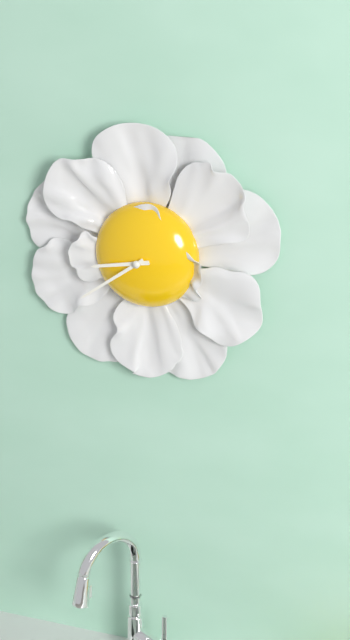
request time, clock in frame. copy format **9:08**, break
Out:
**8:39**
